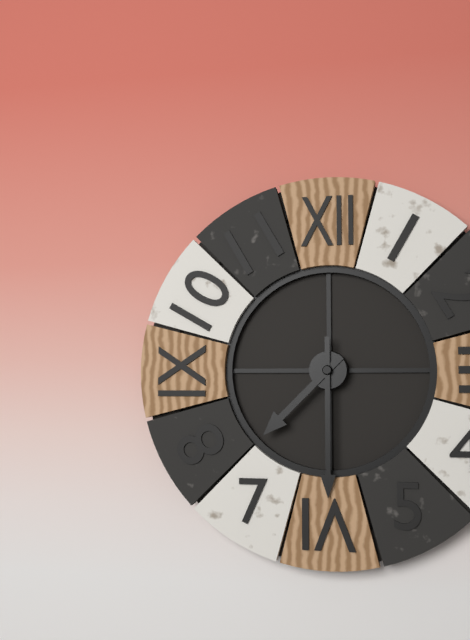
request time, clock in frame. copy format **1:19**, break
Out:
**7:30**
